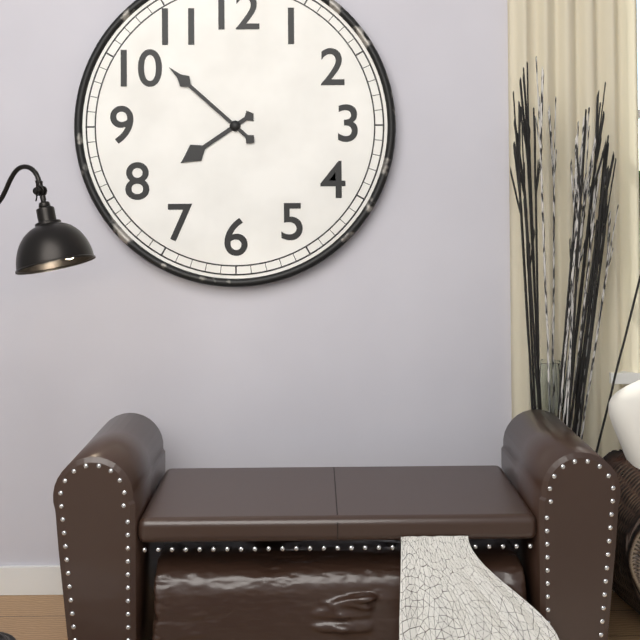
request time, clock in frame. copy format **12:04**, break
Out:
**7:52**
